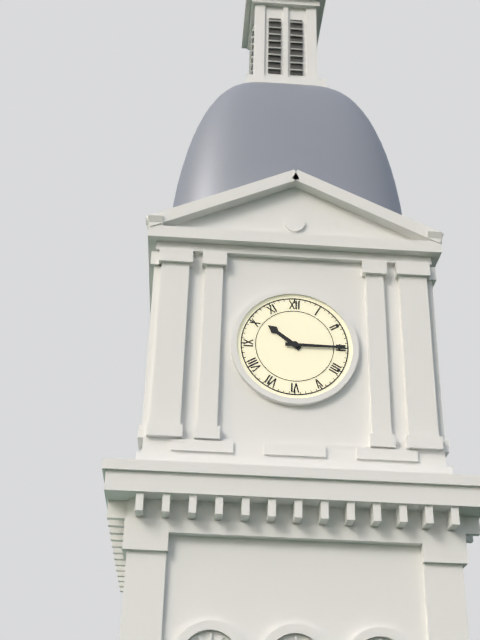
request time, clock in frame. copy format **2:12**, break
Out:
**10:15**
